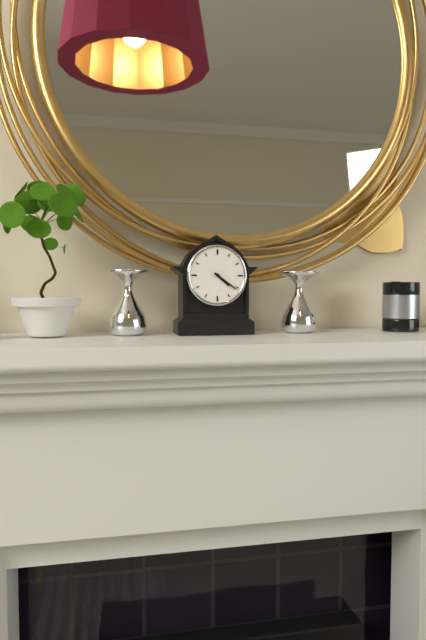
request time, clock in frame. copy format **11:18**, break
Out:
**4:21**
